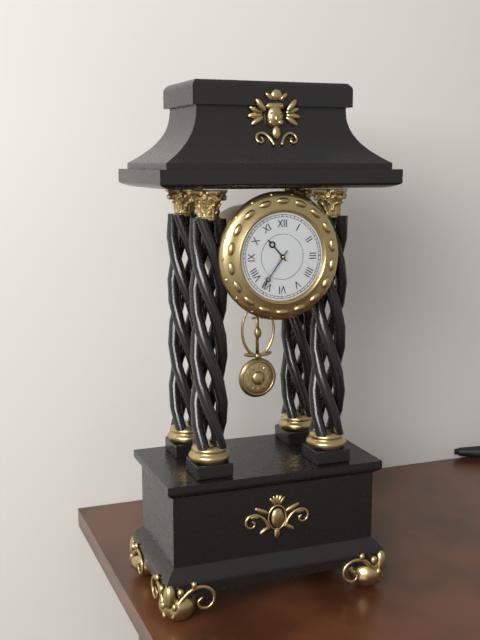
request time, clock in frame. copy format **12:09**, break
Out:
**10:36**
